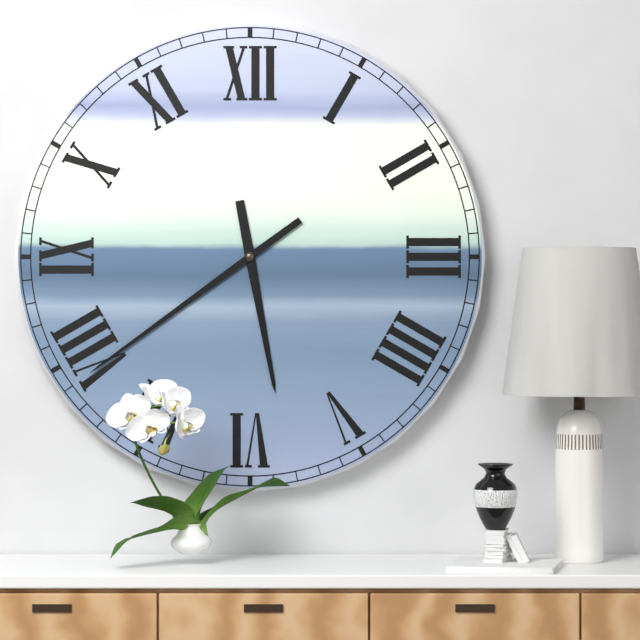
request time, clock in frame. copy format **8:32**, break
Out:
**5:39**
